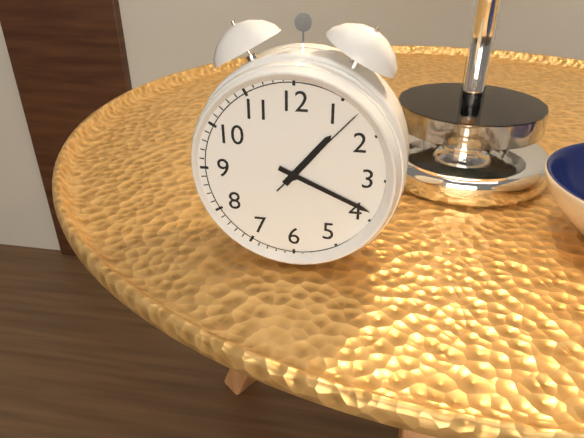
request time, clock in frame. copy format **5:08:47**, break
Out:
**1:19:07**
